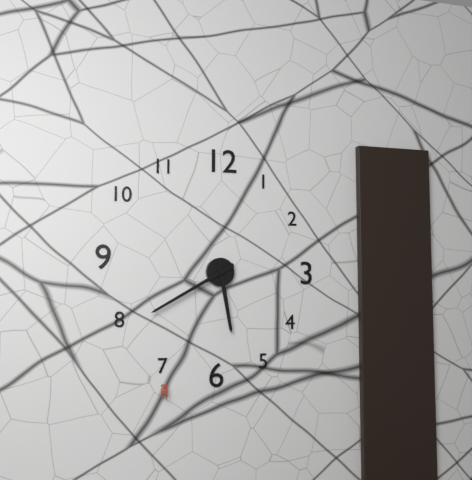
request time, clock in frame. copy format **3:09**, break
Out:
**5:40**
